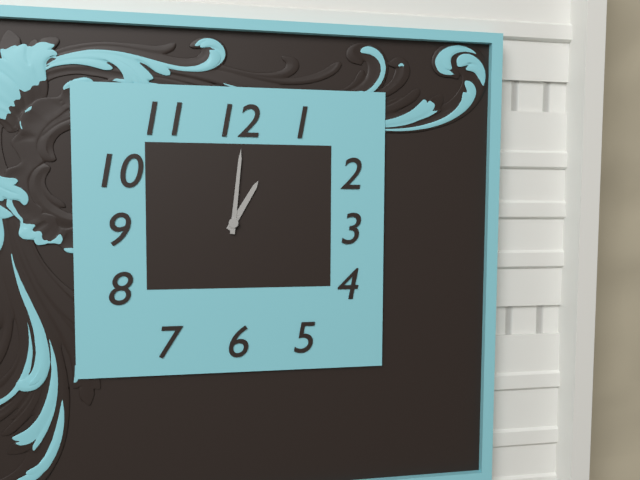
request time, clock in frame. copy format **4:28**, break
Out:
**1:01**
